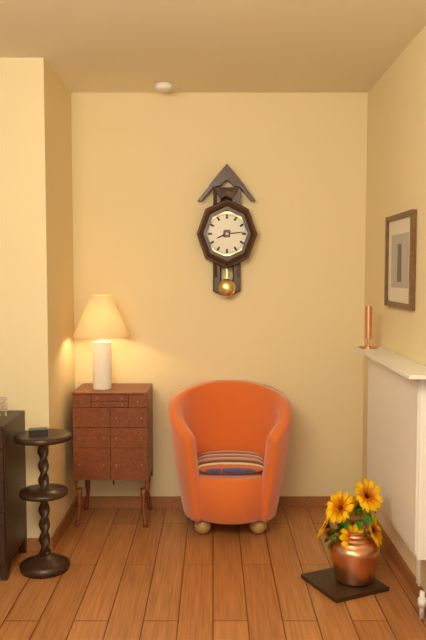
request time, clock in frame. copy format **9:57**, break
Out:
**8:14**
